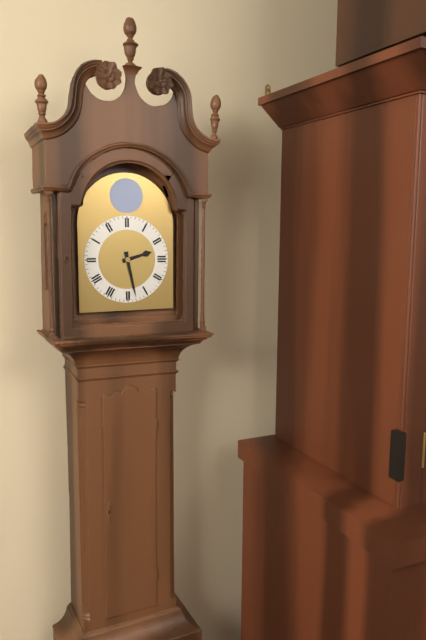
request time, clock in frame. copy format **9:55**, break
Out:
**2:28**
